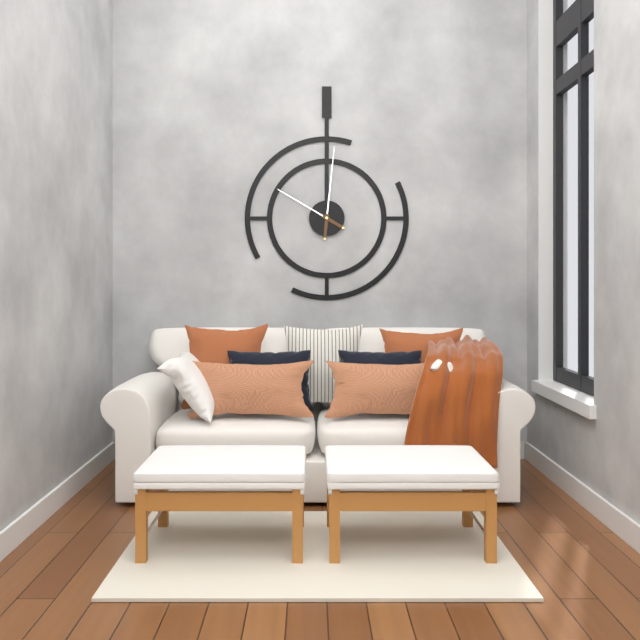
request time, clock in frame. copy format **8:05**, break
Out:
**10:01**
